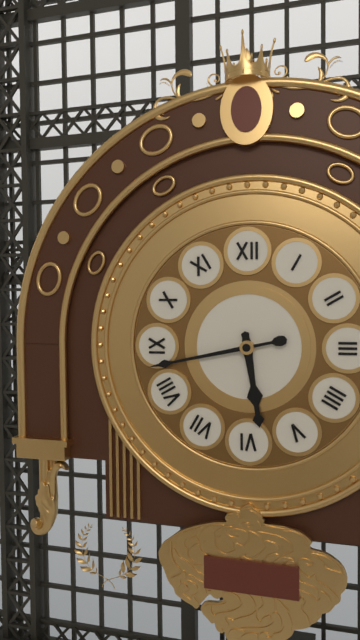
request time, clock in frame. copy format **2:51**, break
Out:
**5:43**
